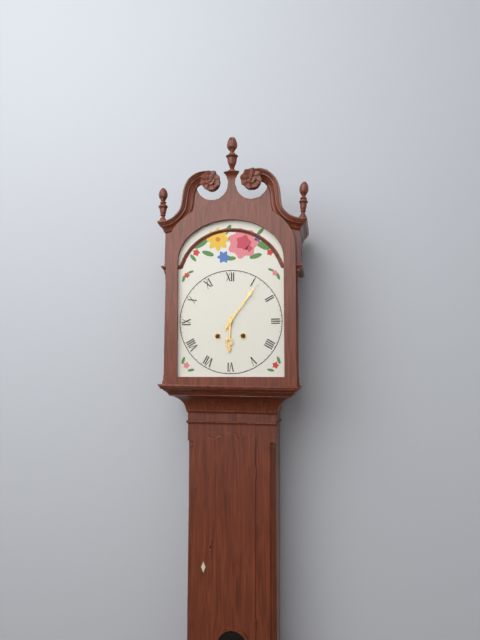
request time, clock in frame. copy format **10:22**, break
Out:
**6:06**
